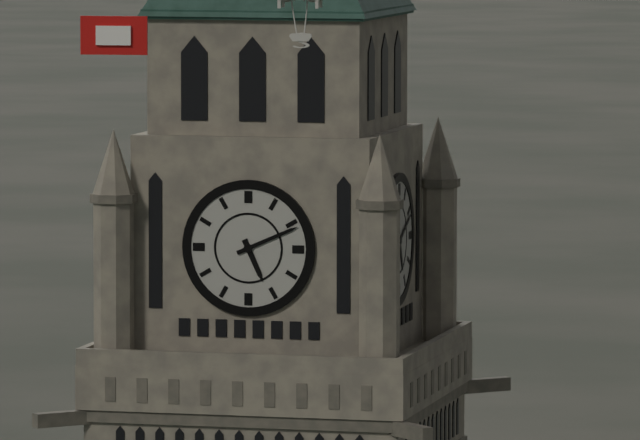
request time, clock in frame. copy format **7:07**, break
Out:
**5:11**
